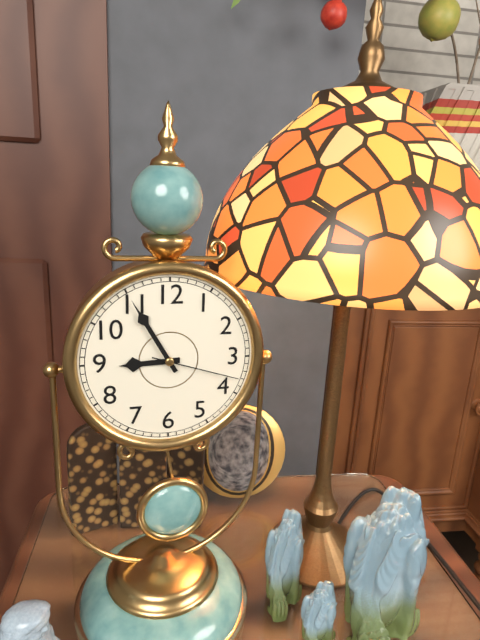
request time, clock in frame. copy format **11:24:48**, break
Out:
**8:55:18**
